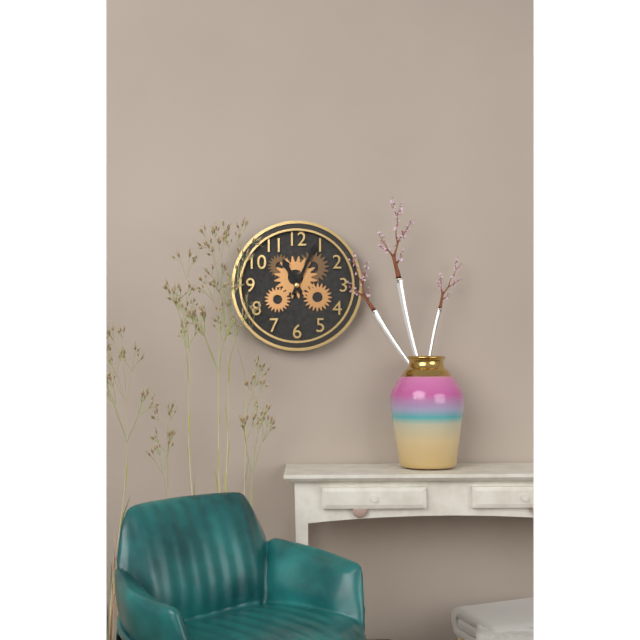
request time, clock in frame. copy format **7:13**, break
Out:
**11:04**
